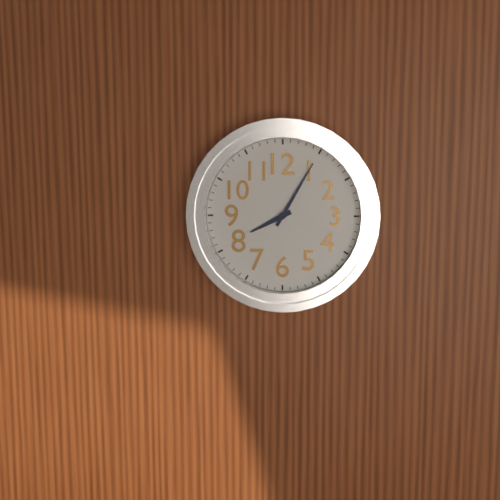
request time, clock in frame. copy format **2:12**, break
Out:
**8:05**
